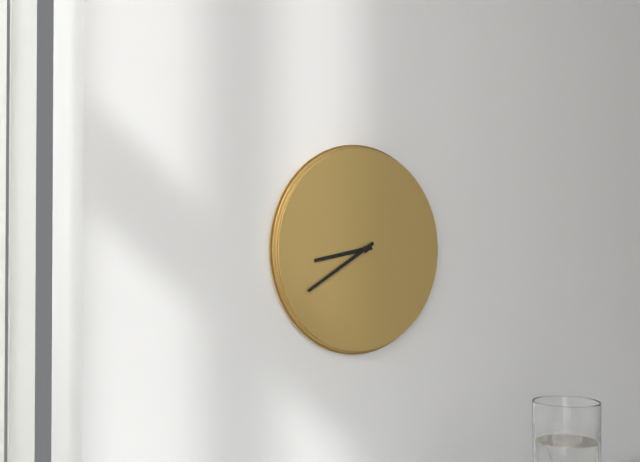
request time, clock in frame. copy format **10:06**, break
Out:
**8:40**
